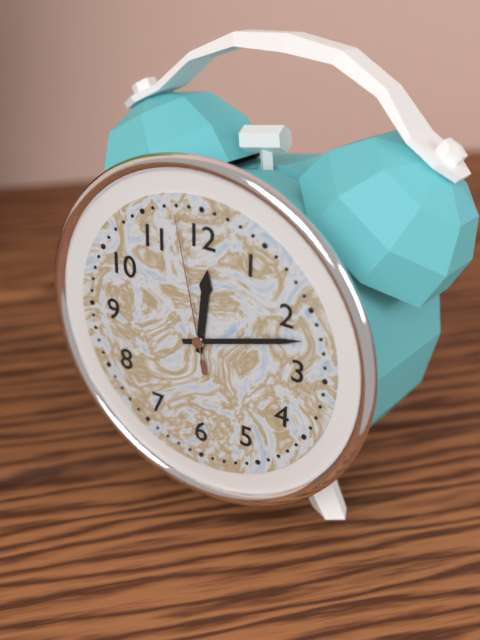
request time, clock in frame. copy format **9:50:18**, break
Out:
**12:12:58**
